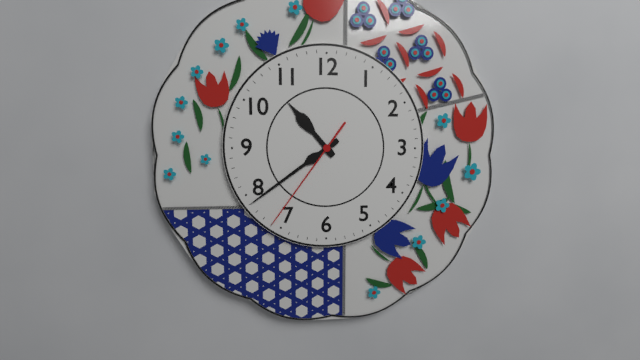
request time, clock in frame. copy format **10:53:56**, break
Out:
**10:39:36**
